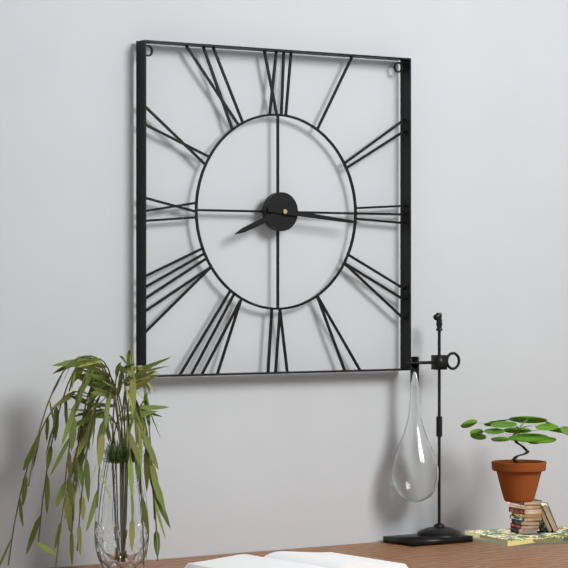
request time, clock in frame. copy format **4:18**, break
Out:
**8:16**
